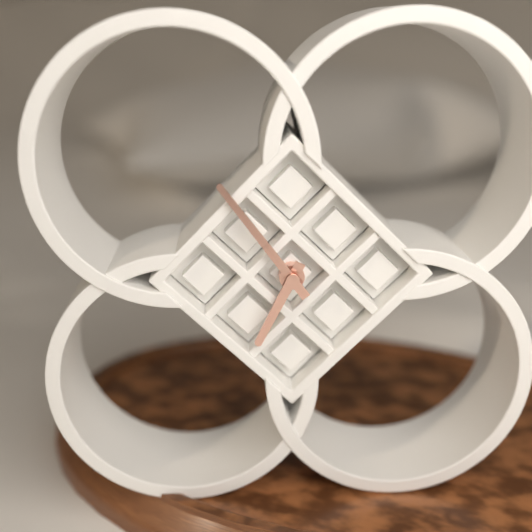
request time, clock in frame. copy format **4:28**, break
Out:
**6:54**
